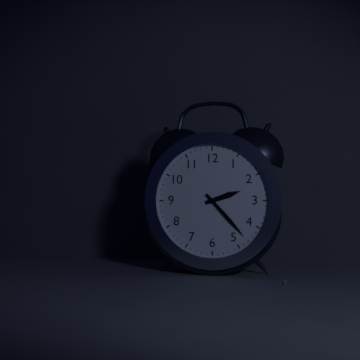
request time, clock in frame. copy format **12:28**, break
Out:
**2:23**
